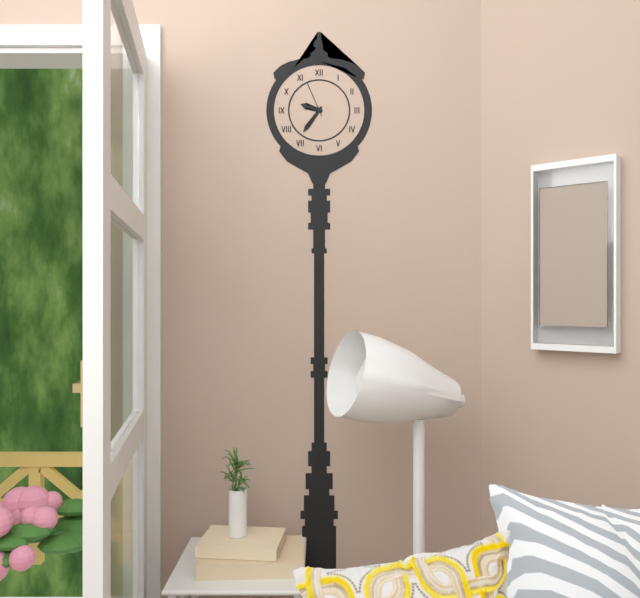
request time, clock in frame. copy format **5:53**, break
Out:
**9:36**
